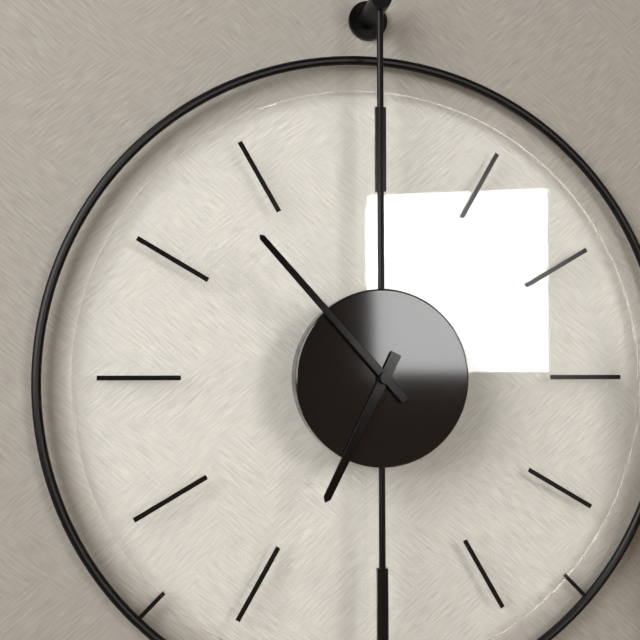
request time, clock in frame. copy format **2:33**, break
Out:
**6:53**
